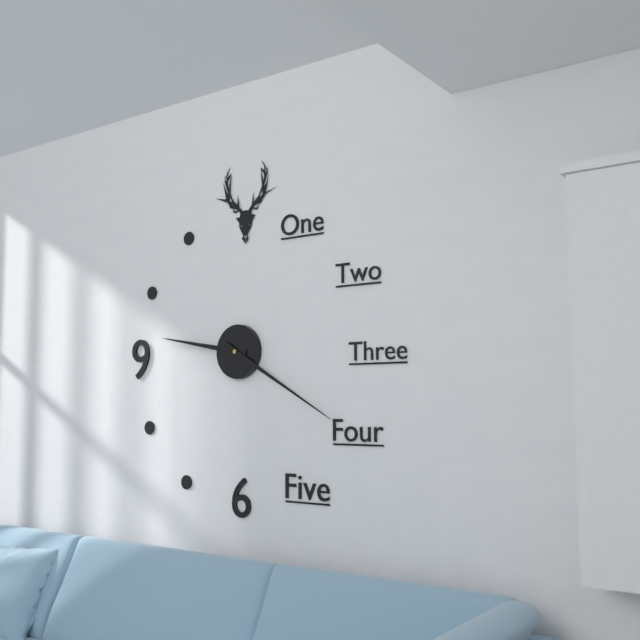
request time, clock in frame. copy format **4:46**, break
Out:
**9:20**
